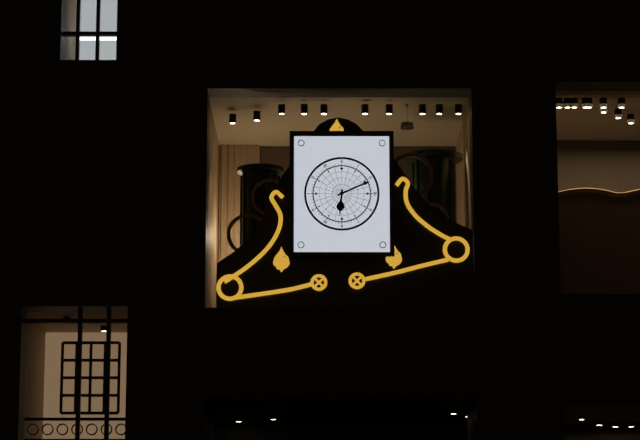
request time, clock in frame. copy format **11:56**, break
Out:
**6:11**
